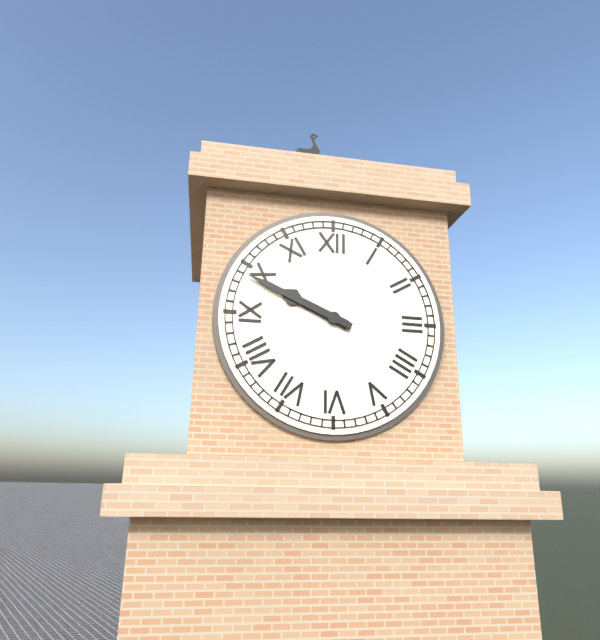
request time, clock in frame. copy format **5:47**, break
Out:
**9:49**
